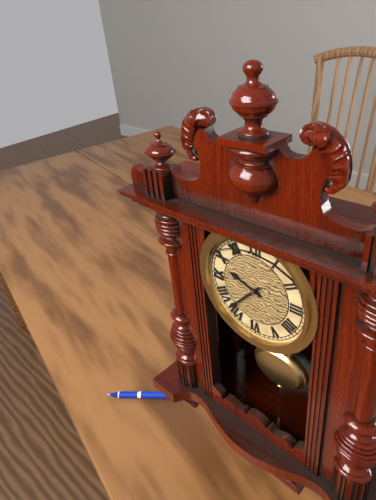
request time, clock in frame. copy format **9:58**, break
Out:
**9:37**
